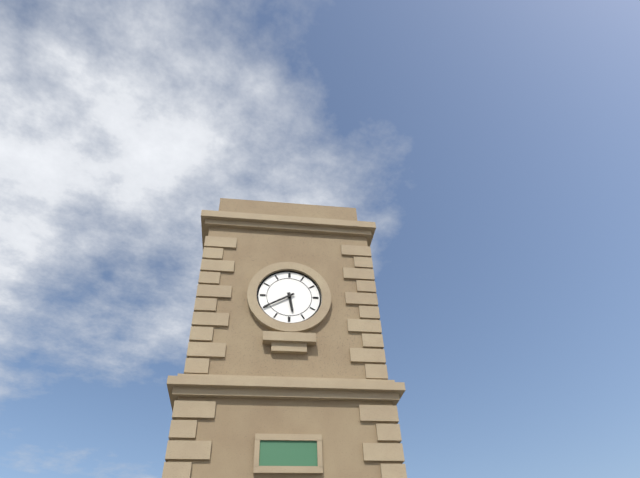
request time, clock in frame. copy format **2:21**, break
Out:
**5:40**
